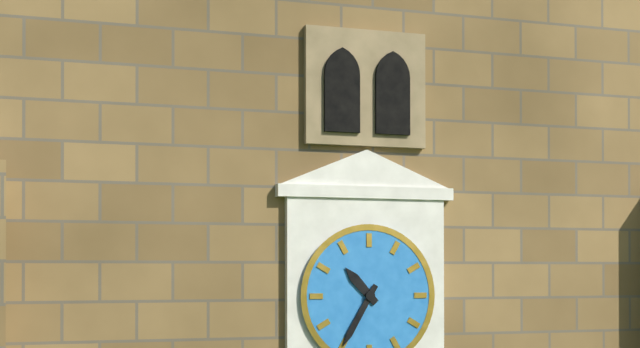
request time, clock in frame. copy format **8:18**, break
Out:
**10:35**
